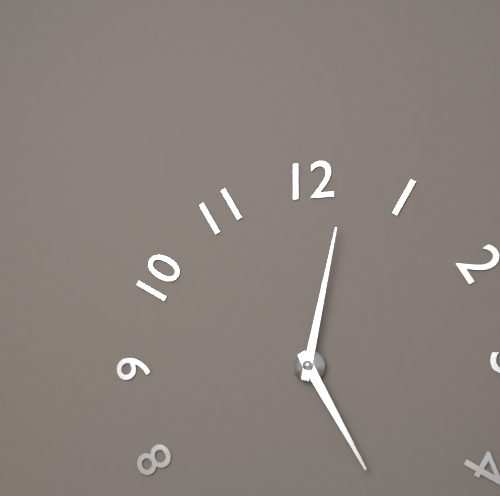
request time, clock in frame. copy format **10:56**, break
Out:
**5:02**
